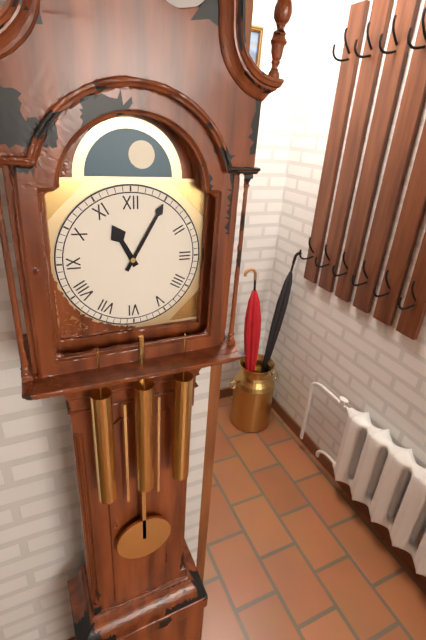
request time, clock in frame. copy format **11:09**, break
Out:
**11:05**
